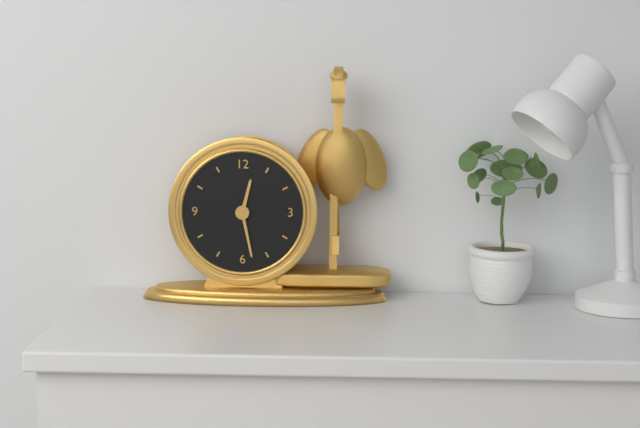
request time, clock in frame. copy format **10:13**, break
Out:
**12:28**
